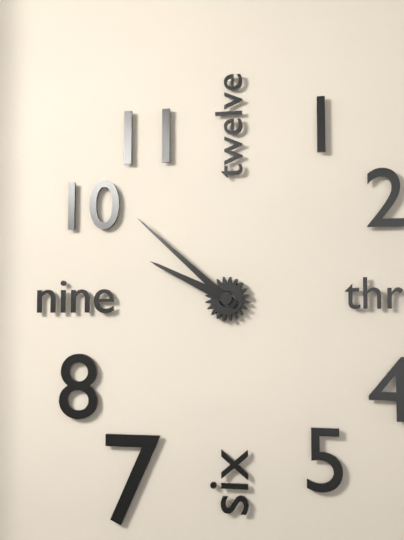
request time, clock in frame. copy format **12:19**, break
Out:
**9:52**
